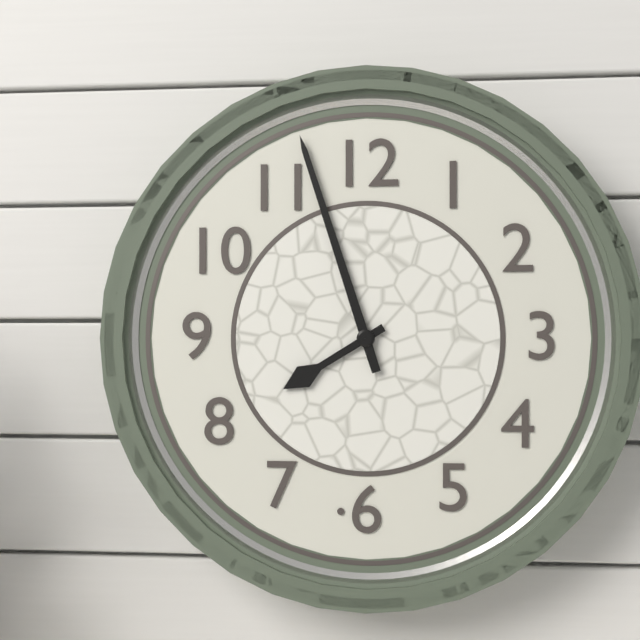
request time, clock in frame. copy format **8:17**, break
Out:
**7:57**
